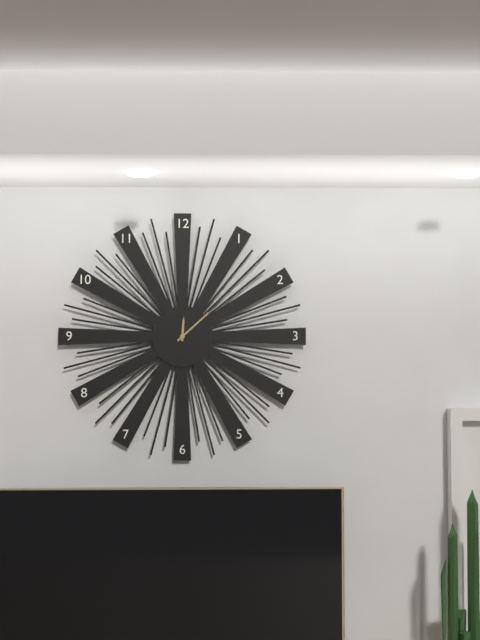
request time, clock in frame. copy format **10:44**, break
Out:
**12:08**
